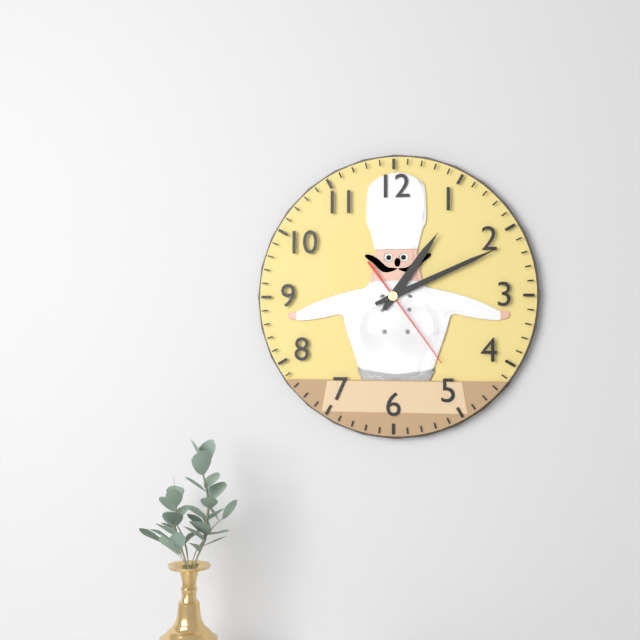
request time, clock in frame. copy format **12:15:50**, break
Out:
**1:11:24**
